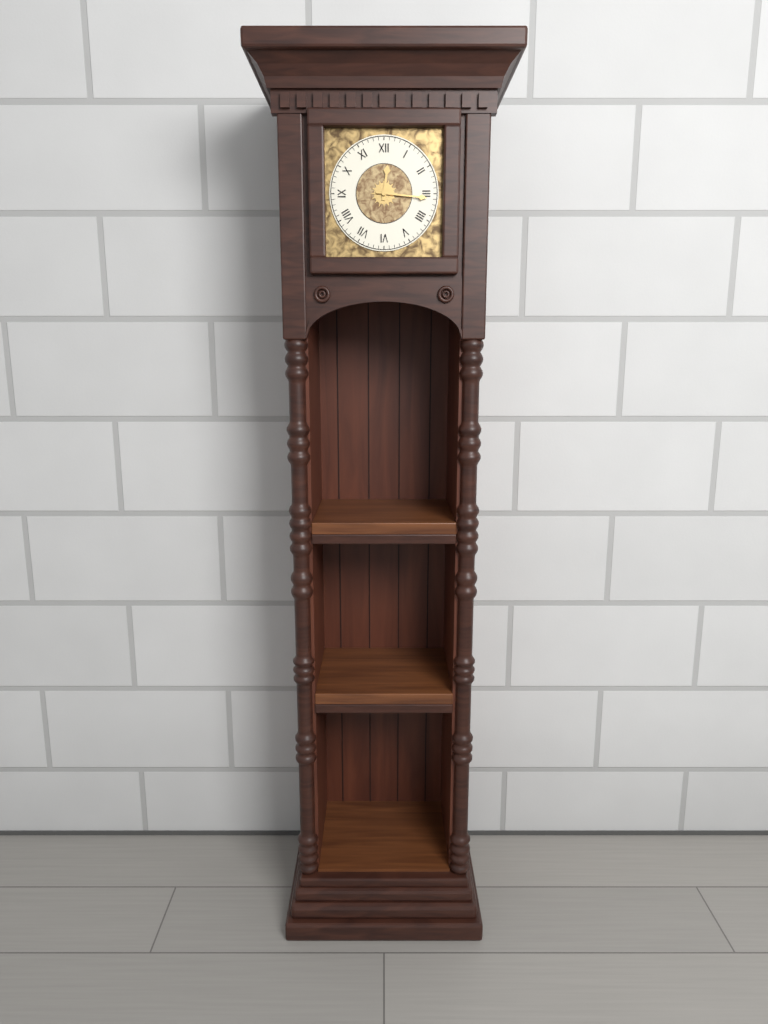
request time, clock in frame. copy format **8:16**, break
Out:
**12:16**
